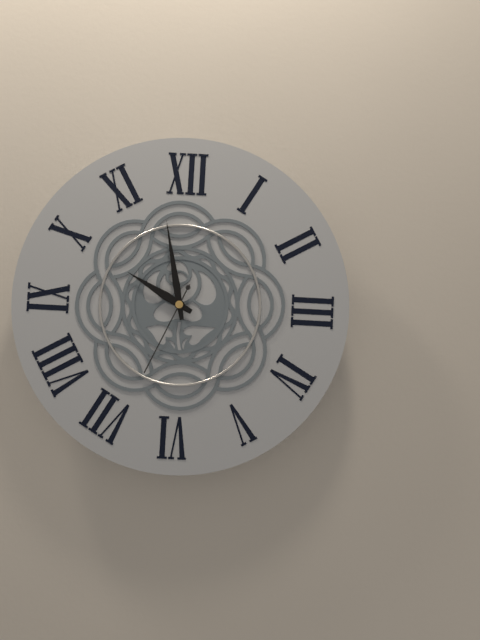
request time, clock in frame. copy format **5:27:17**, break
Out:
**9:58:34**
